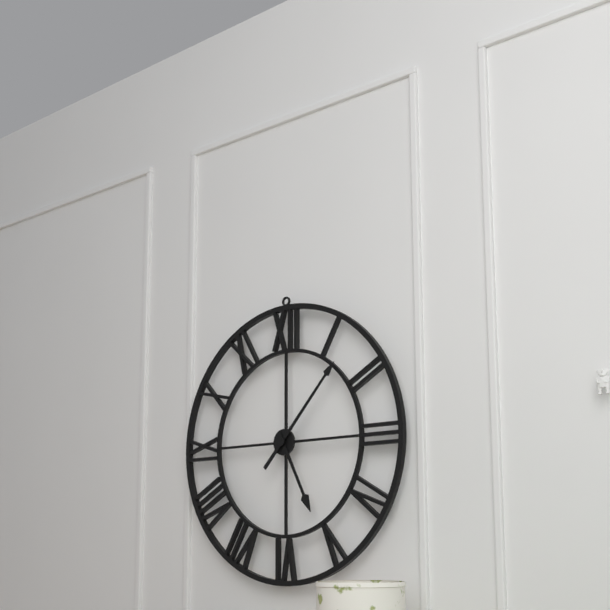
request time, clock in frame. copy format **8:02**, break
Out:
**5:07**
